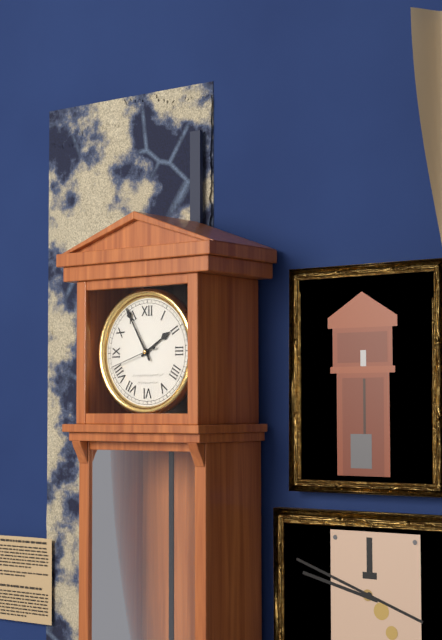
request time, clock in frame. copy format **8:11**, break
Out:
**1:55**
